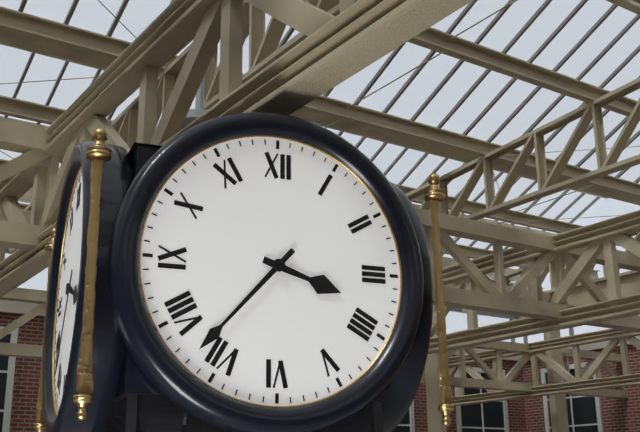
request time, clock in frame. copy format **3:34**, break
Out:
**3:37**
